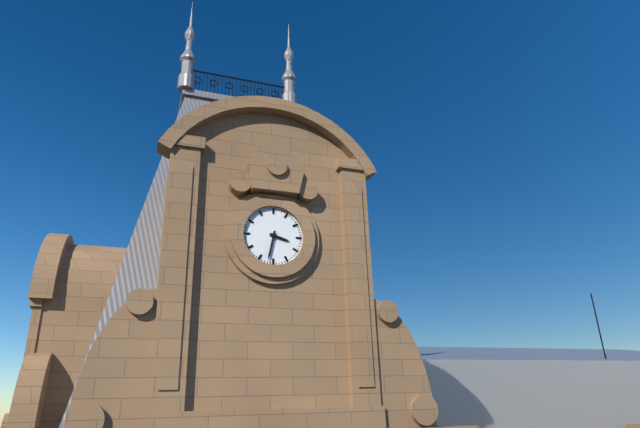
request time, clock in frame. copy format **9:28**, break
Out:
**3:32**
